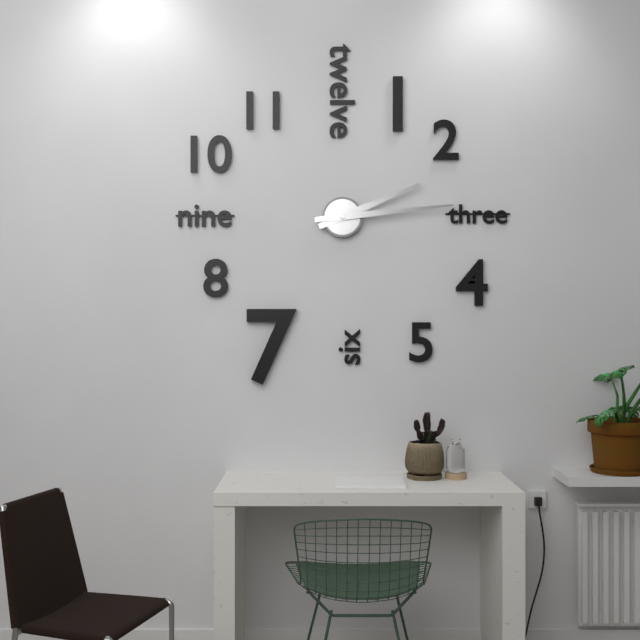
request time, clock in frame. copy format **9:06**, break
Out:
**2:14**
